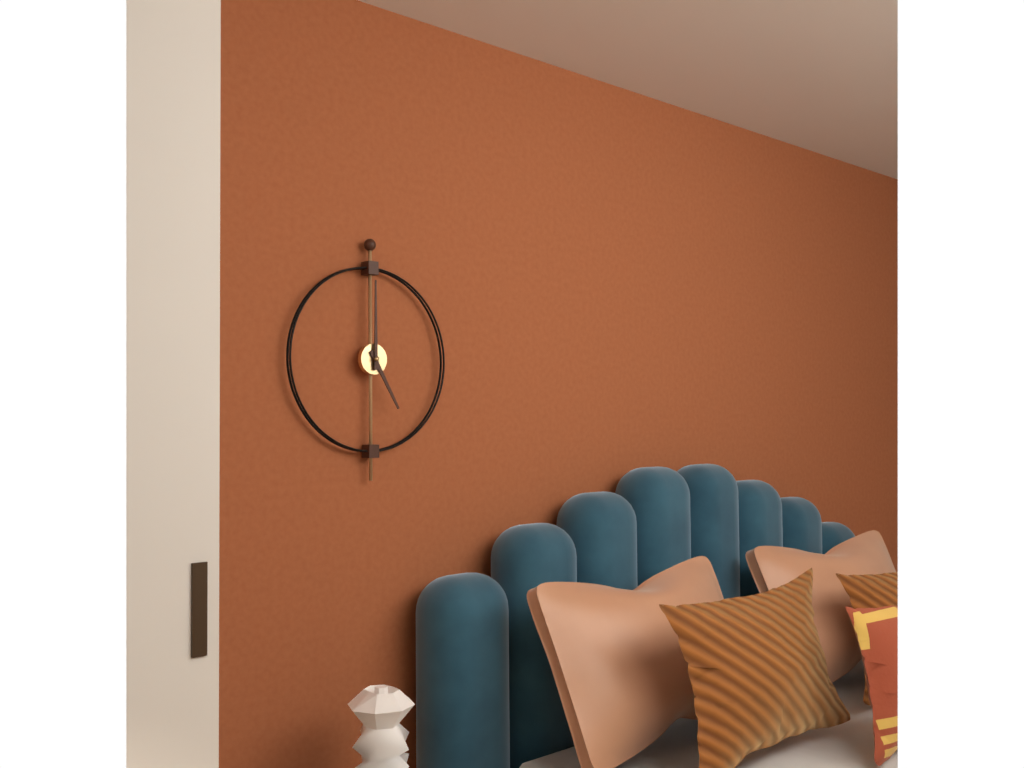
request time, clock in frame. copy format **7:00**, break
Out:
**5:00**
